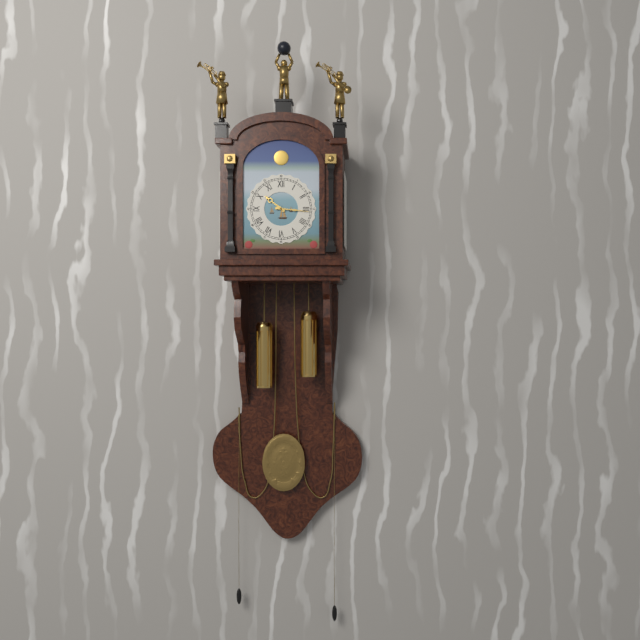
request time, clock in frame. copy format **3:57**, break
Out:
**10:16**
